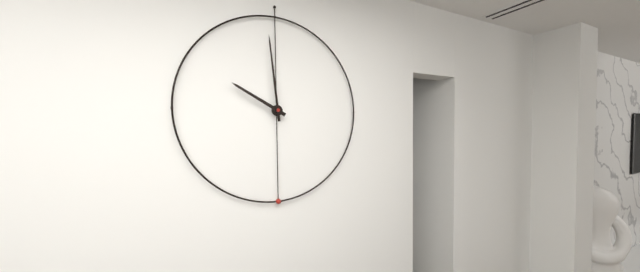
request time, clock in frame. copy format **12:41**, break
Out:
**9:59**
